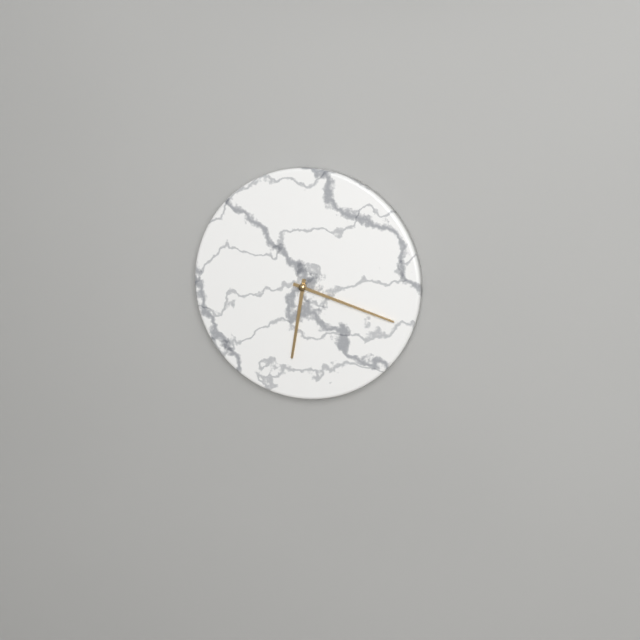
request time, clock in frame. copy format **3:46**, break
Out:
**6:18**
